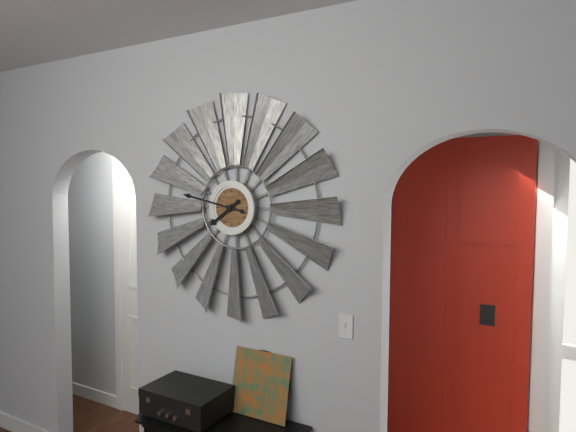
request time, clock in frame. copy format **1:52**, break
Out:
**7:47**
